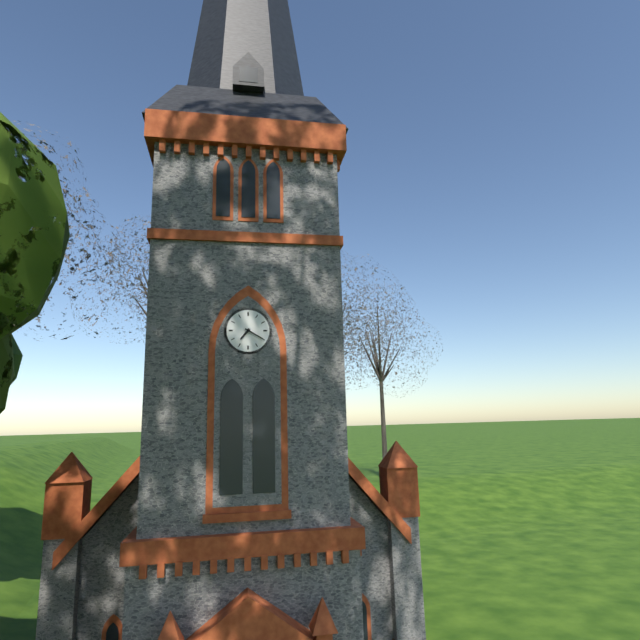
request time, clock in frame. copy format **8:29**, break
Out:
**7:20**
